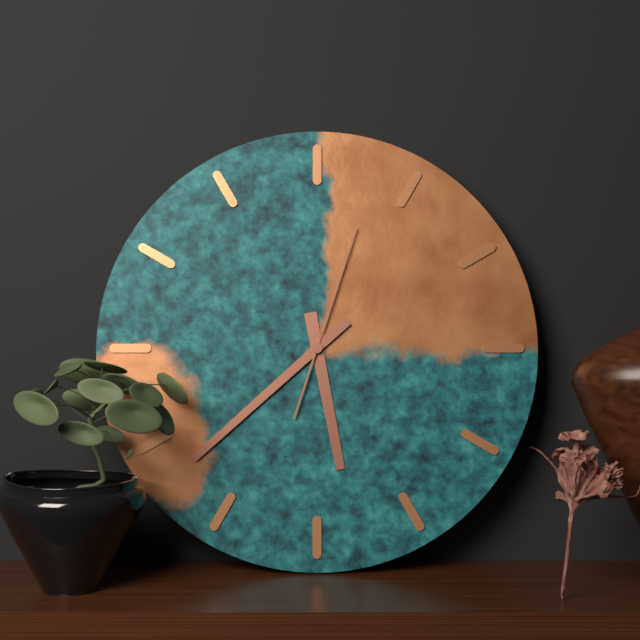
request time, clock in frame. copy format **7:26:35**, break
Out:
**5:38:03**
